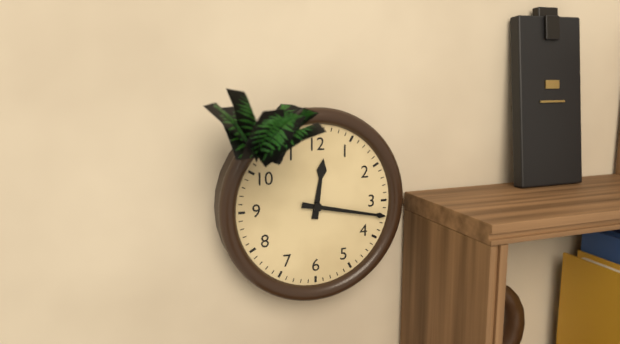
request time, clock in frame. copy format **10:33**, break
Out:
**12:17**
